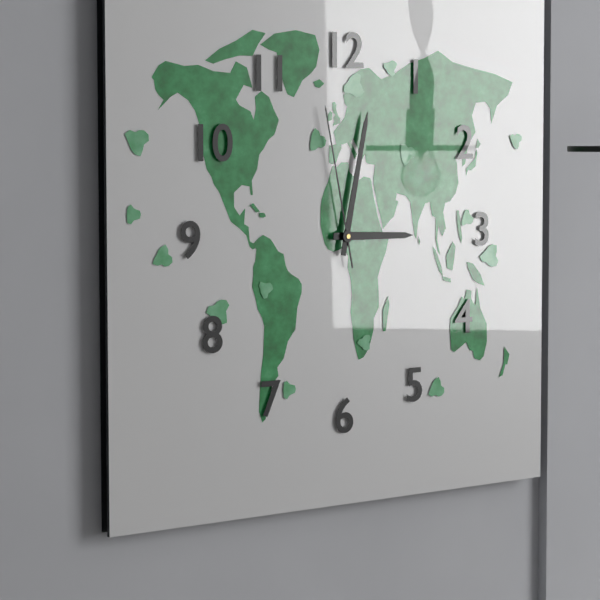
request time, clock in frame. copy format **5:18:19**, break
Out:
**3:02:58**
